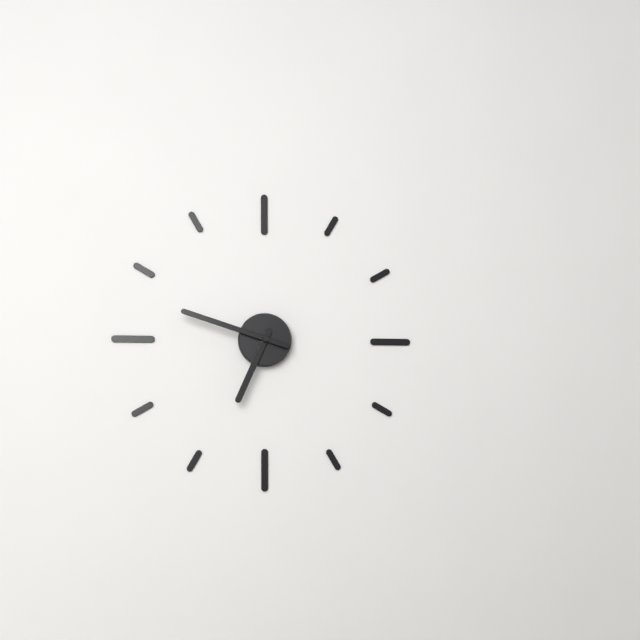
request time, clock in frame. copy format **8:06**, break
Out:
**6:48**
